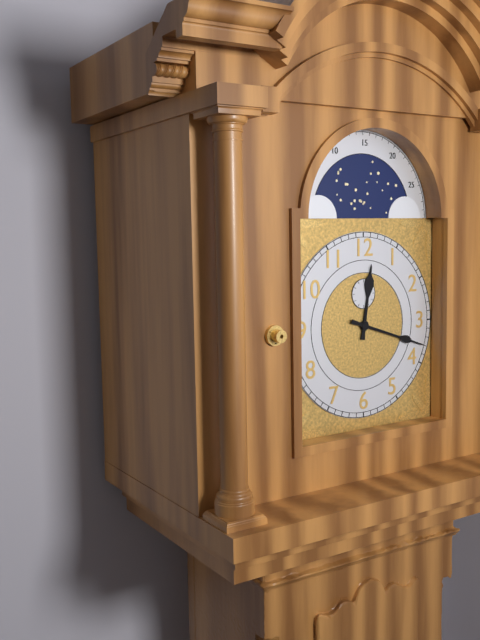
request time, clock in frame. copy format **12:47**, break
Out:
**12:18**
